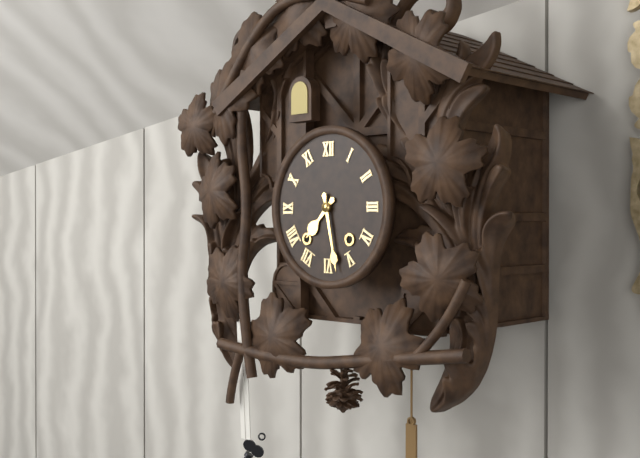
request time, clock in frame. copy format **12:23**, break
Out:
**7:28**
